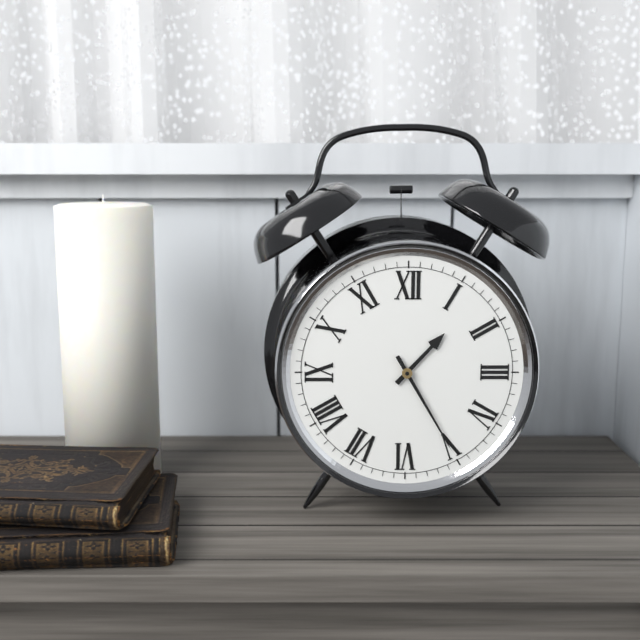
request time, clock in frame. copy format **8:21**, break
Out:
**1:25**
